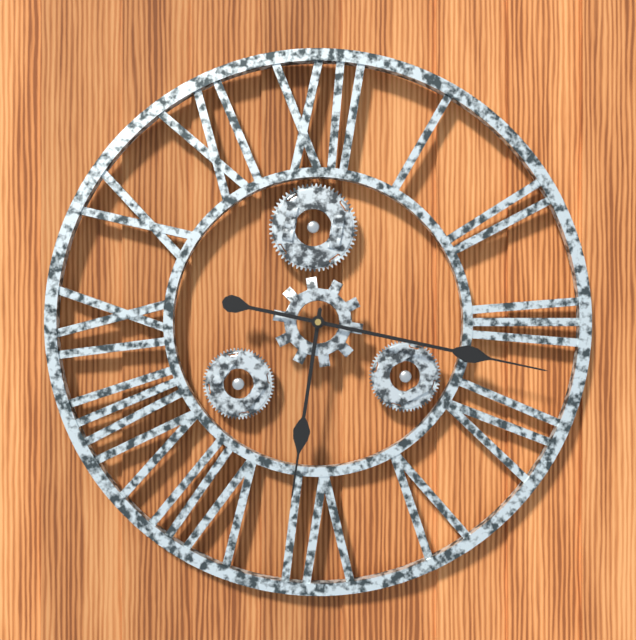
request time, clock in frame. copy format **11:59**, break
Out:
**6:17**
